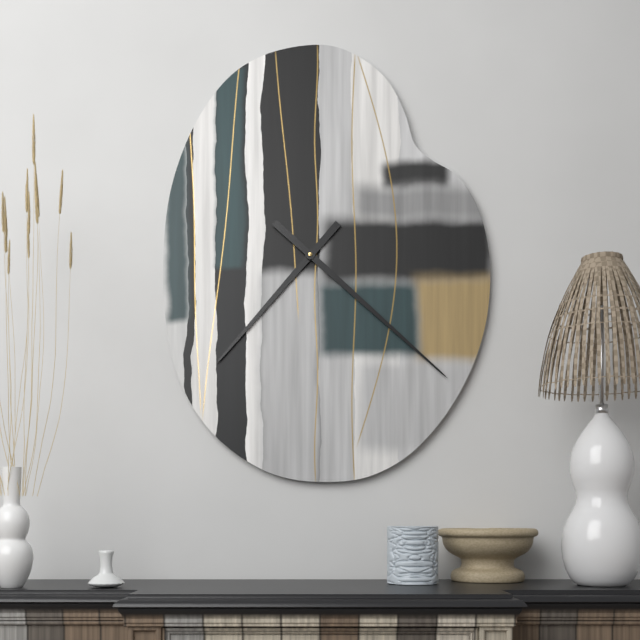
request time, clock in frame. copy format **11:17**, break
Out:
**7:22**
